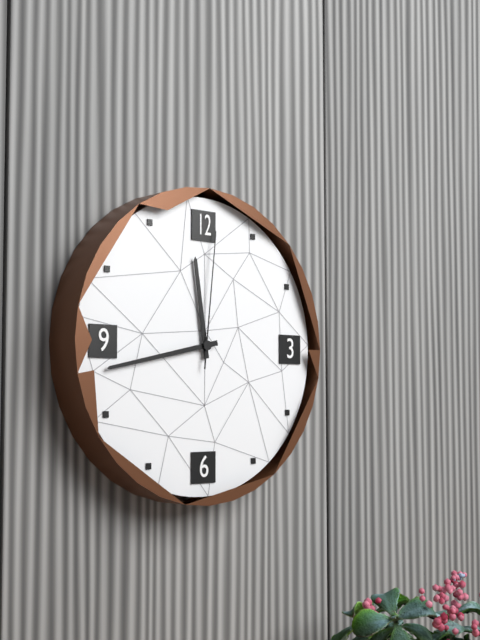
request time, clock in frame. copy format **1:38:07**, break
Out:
**11:43:01**
